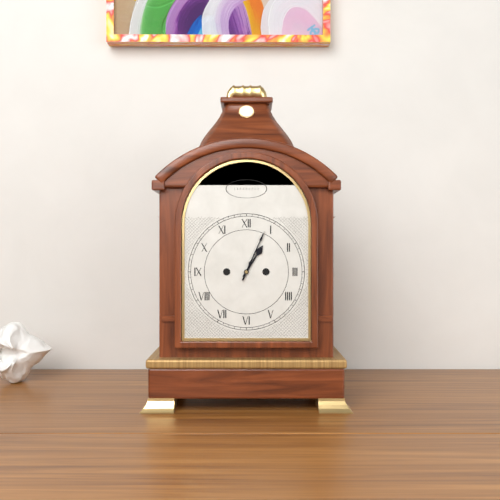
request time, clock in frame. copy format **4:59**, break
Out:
**1:04**
